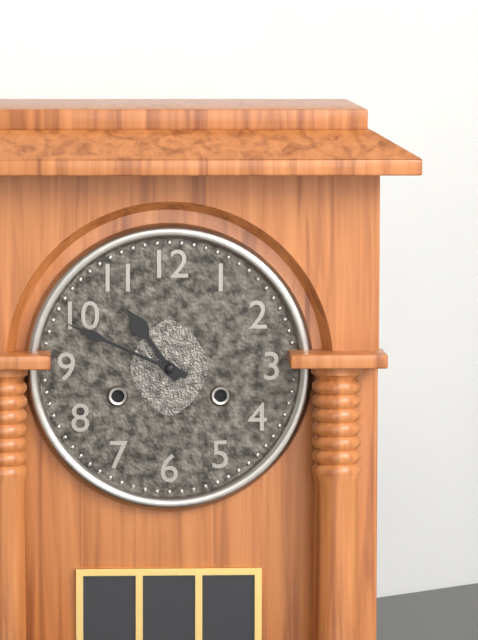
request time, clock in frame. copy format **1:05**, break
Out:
**10:49**
